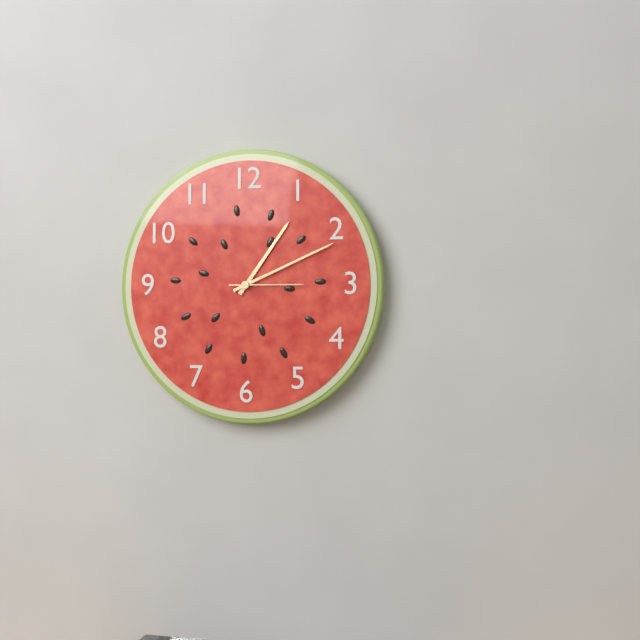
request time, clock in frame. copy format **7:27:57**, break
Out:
**1:11:15**
